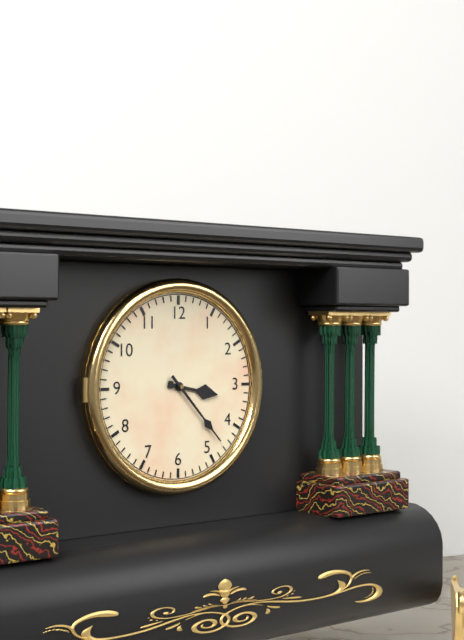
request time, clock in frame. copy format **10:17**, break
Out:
**3:23**
